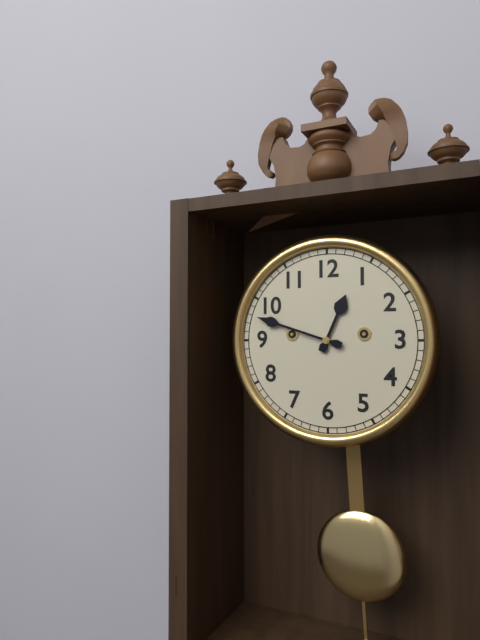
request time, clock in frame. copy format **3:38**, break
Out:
**12:48**
